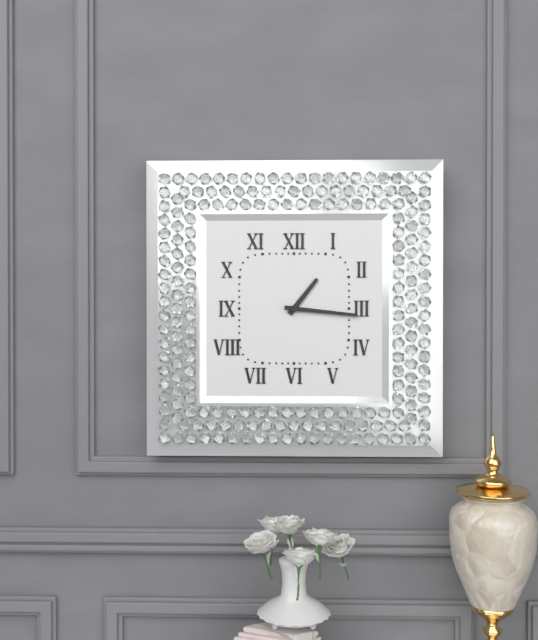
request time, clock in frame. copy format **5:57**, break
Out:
**1:16**
